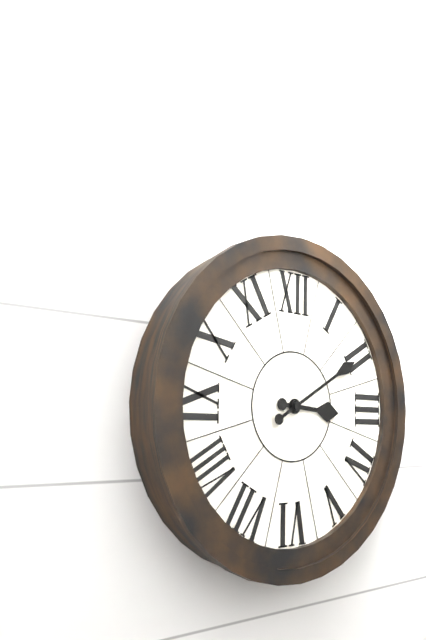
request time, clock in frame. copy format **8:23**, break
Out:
**3:10**
